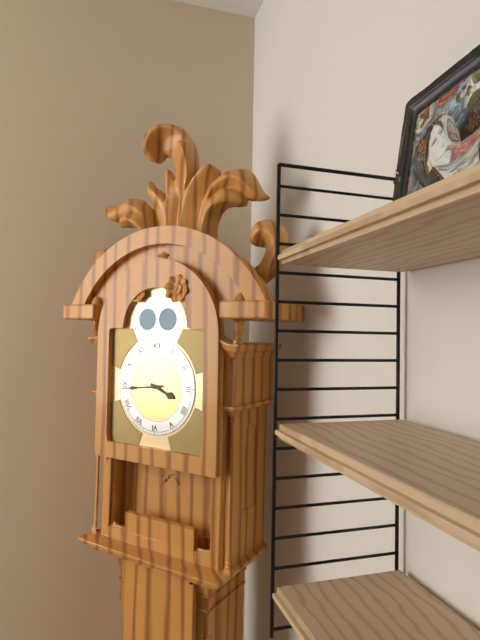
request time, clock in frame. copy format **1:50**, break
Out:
**3:44**
